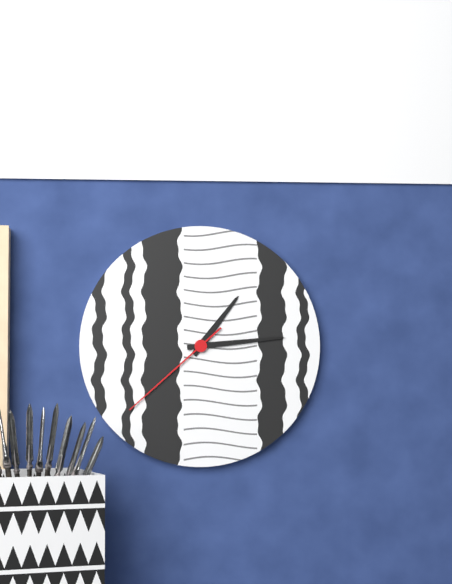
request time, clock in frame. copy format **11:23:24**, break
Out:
**1:14:38**
